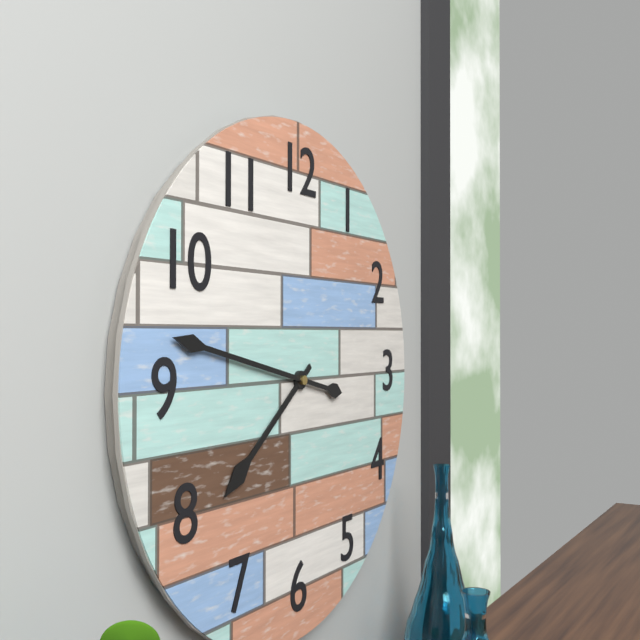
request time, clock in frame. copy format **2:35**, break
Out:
**7:47**
